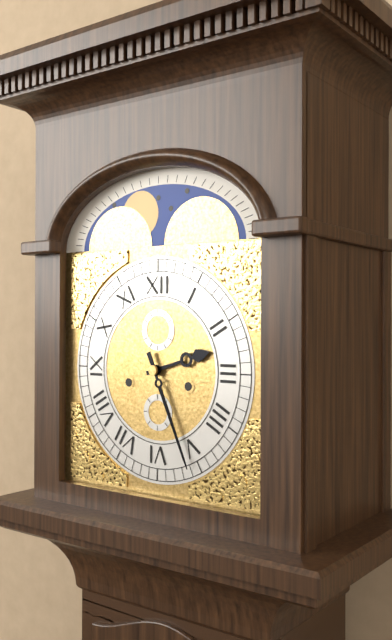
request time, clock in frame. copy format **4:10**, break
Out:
**2:26**
